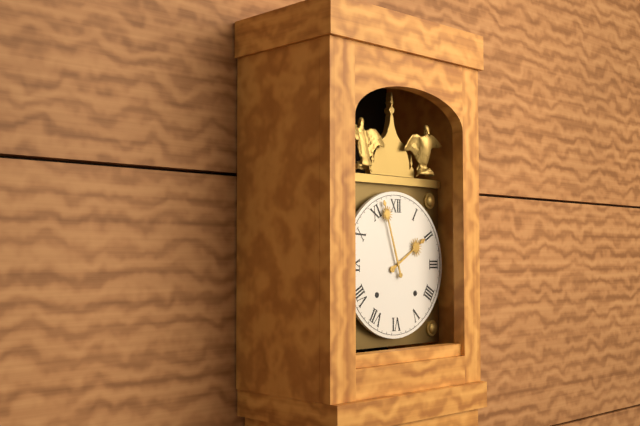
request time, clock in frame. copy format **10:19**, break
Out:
**1:57**
